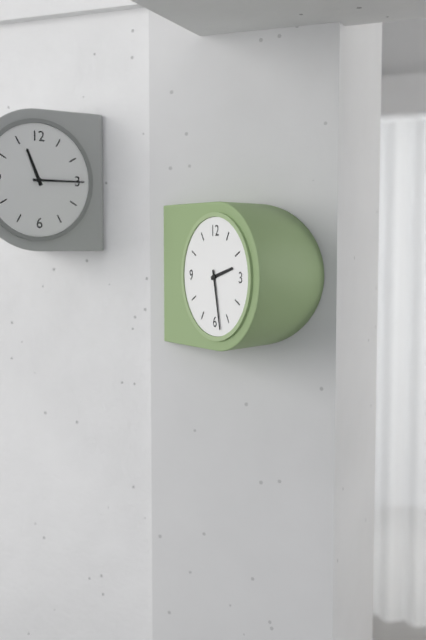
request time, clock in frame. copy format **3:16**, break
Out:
**2:28**
